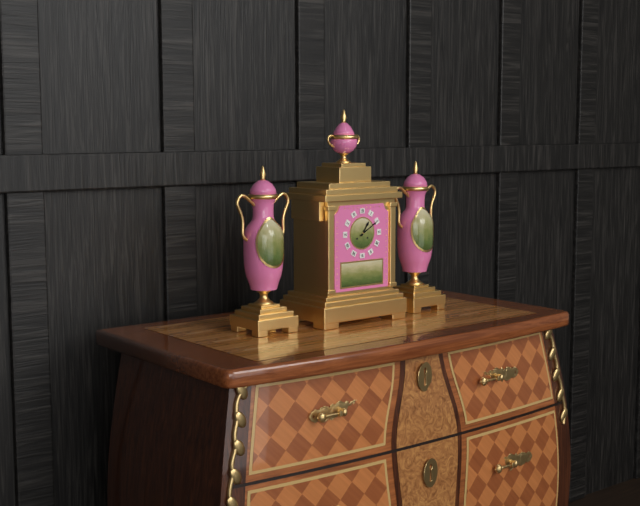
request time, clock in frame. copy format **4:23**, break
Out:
**1:10**
